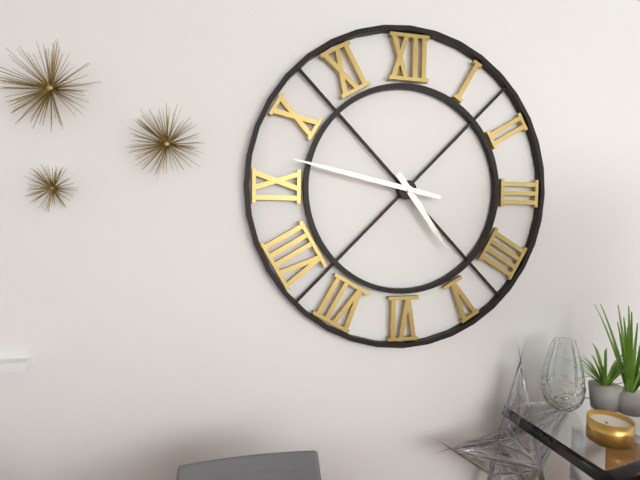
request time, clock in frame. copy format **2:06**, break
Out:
**4:47**
